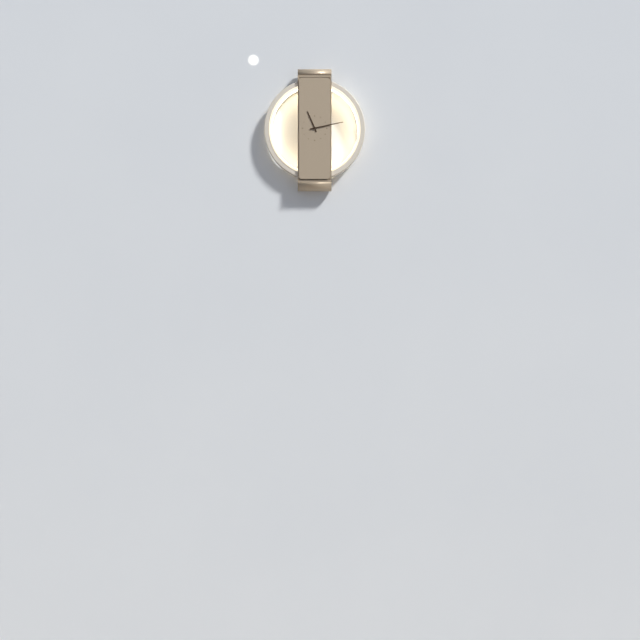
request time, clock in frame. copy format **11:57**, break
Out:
**11:13**
